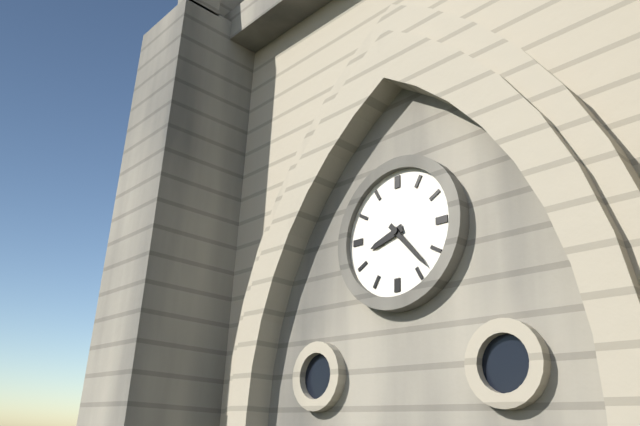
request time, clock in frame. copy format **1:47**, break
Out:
**8:23**
